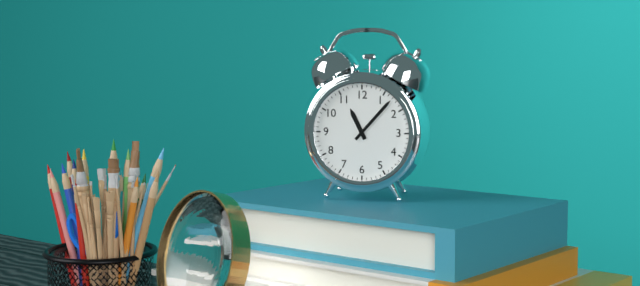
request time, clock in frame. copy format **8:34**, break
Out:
**11:07**
